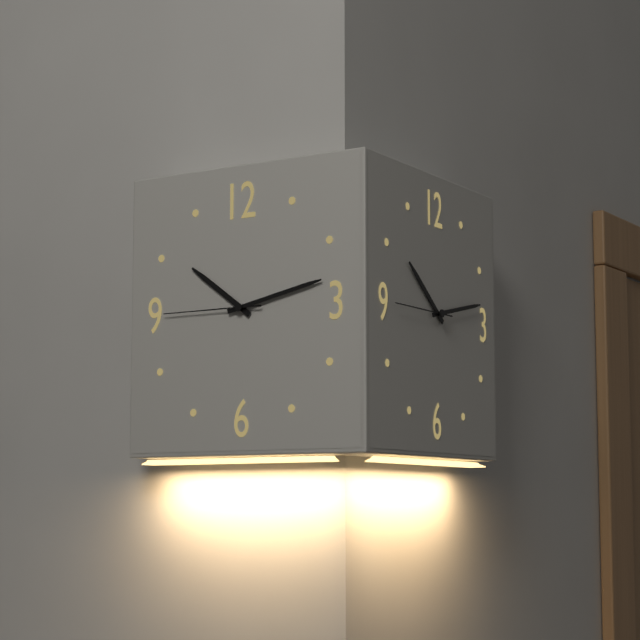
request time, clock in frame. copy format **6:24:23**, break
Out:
**10:13:45**
